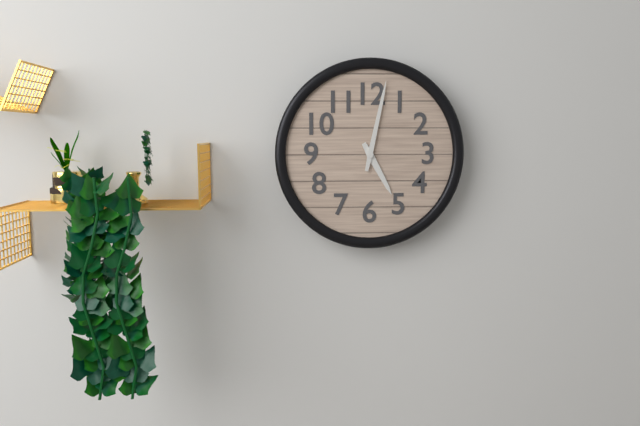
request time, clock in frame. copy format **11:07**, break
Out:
**5:02**
